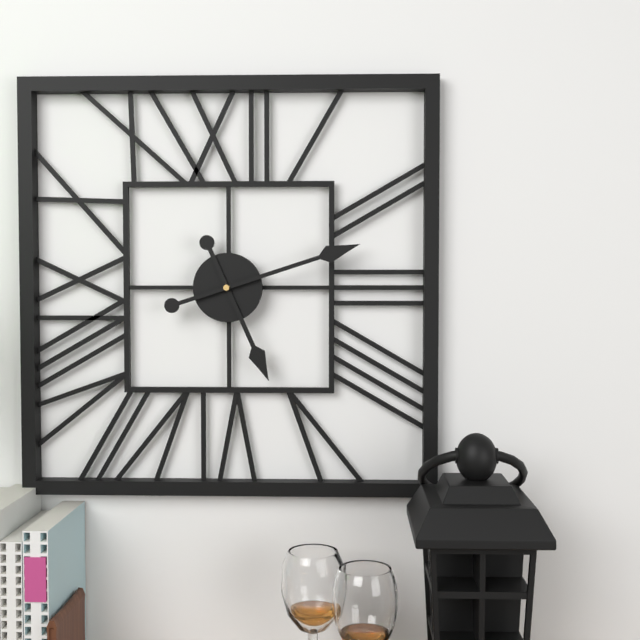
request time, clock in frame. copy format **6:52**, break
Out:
**5:12**
